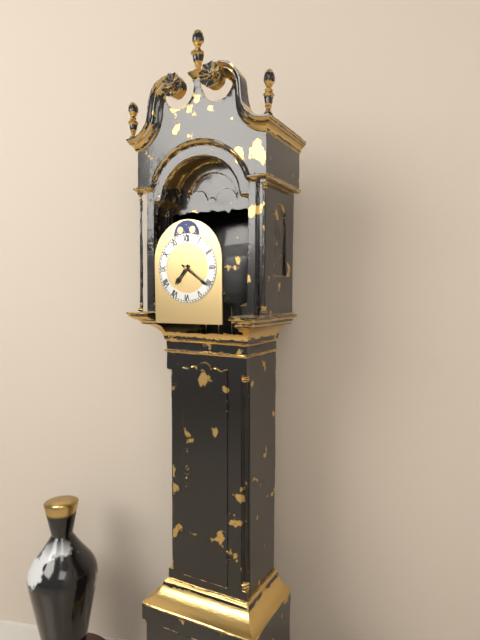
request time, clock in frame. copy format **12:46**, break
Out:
**7:21**
